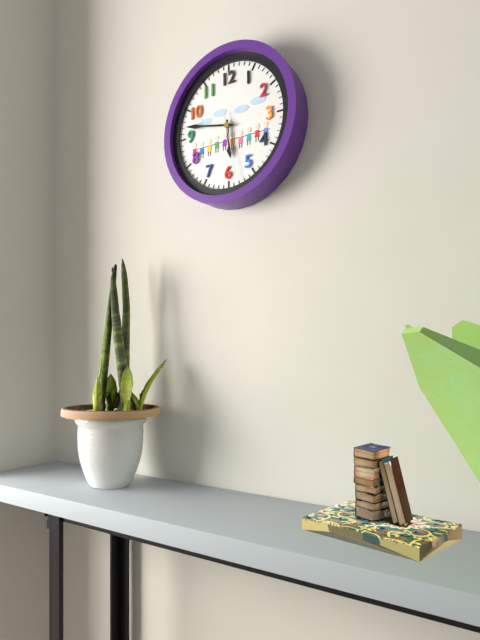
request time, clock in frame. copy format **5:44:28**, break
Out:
**5:47:28**
